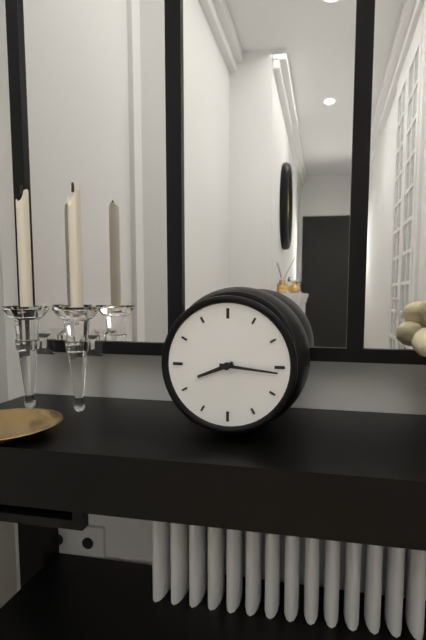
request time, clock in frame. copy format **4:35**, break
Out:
**8:16**
